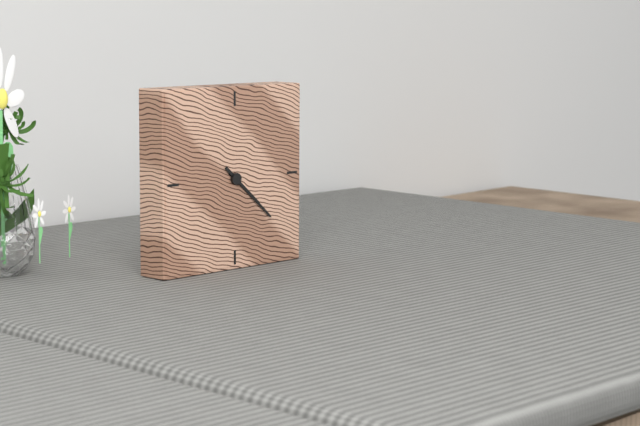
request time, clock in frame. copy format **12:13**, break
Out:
**4:22**
